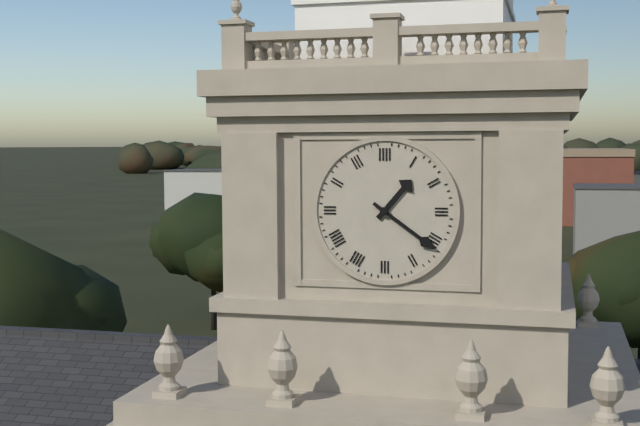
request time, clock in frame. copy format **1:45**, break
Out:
**1:21**
